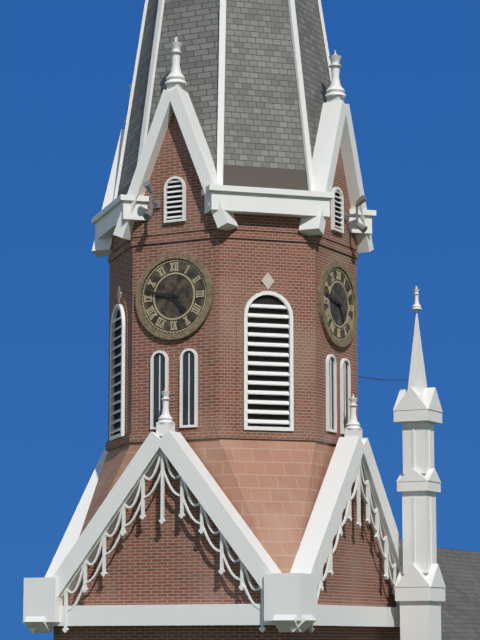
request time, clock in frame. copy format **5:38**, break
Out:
**4:47**
